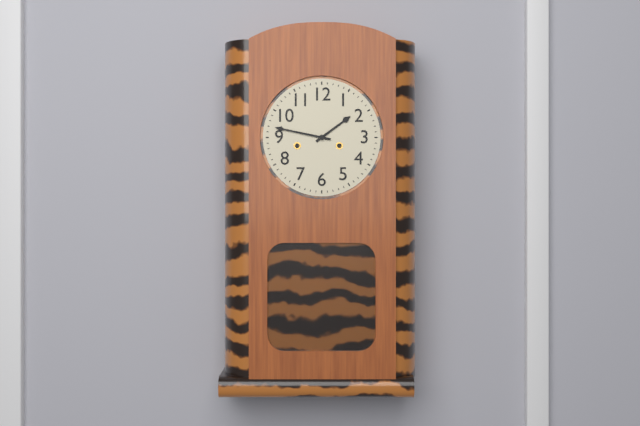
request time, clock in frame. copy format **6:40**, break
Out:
**1:47**
